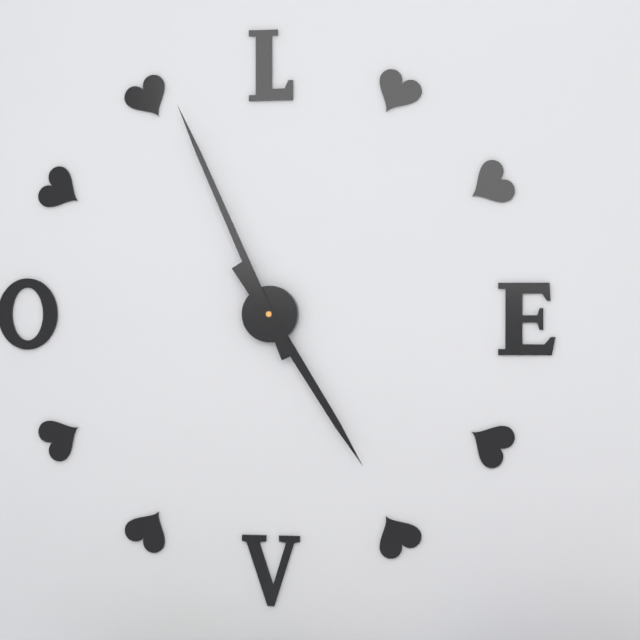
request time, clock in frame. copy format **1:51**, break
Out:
**4:56**
